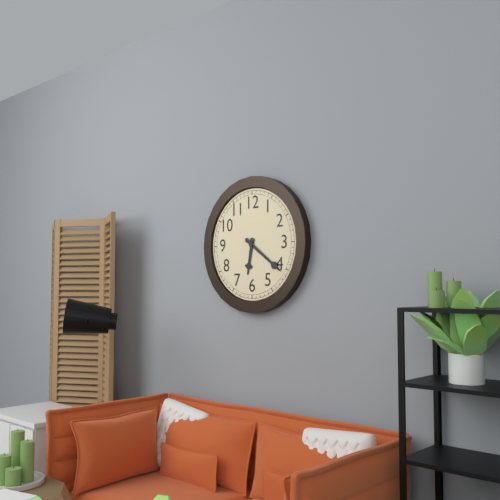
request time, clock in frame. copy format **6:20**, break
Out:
**6:21**
